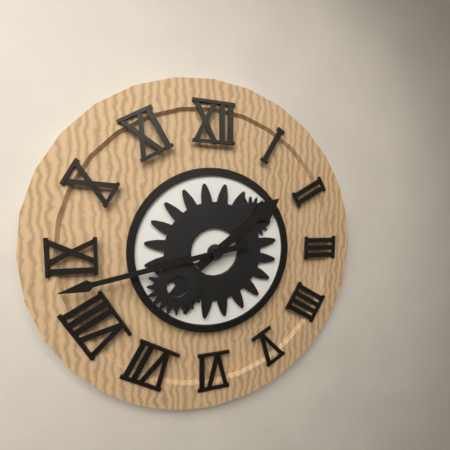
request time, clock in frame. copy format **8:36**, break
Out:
**1:43**
